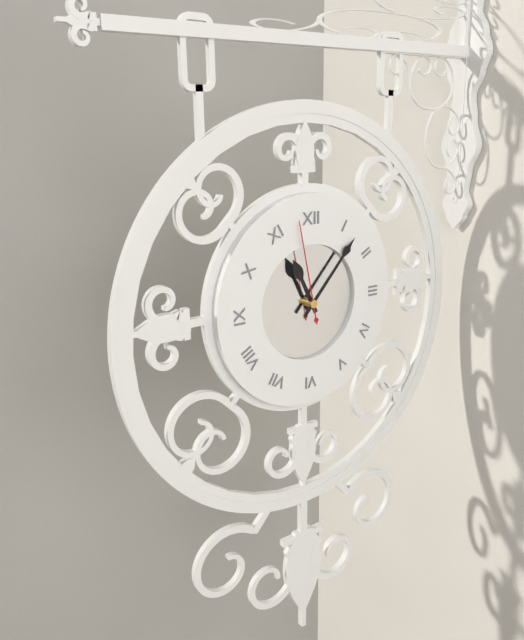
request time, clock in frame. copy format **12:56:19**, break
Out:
**11:07:58**
